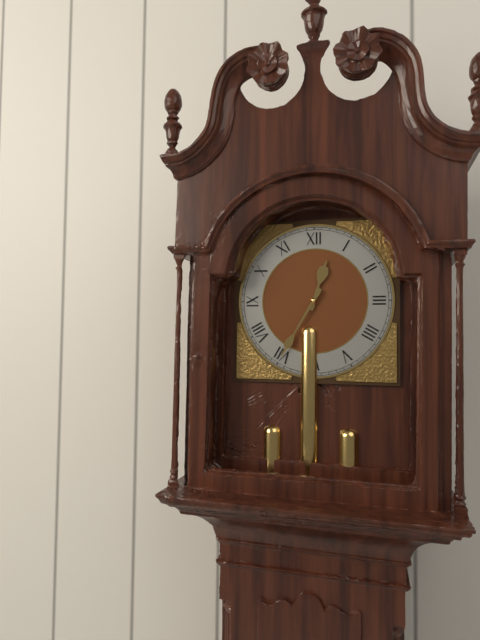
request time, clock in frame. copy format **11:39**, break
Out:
**12:35**
